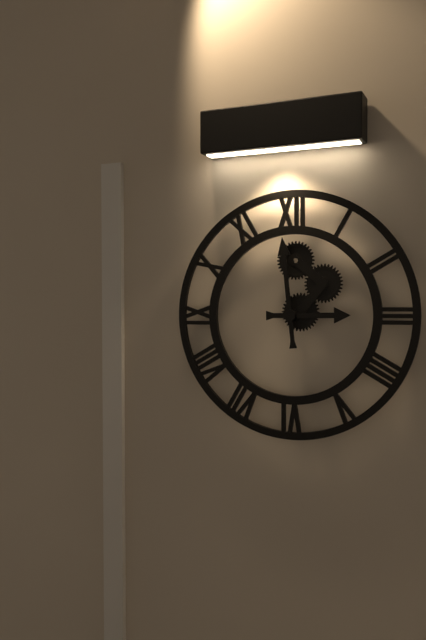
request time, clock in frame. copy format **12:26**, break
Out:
**2:59**
